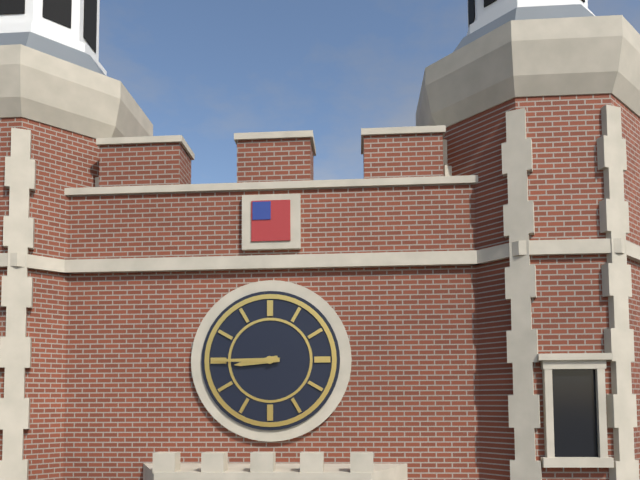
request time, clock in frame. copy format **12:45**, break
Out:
**8:45**
